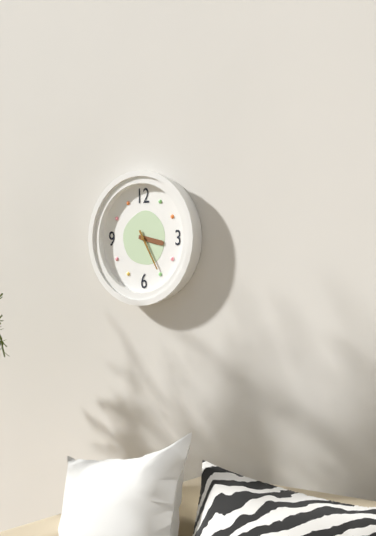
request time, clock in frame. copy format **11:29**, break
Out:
**3:25**
